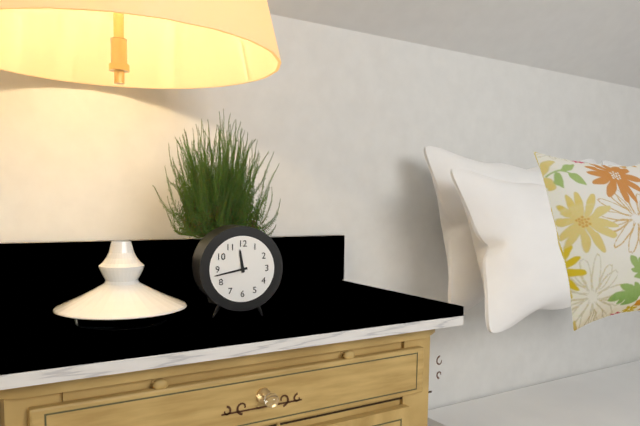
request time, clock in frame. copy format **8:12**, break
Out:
**11:43**
